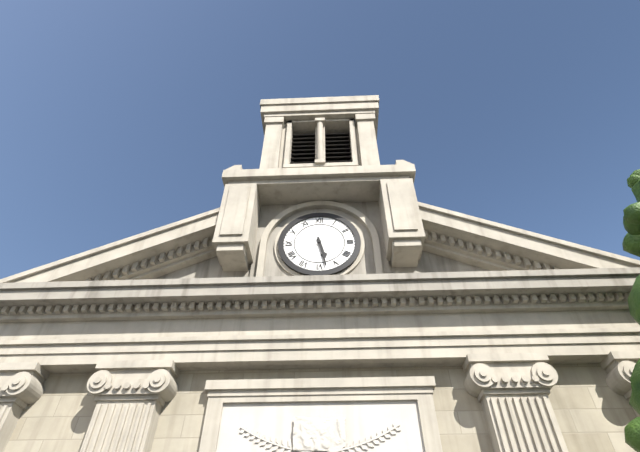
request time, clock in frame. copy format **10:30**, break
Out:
**5:28**
